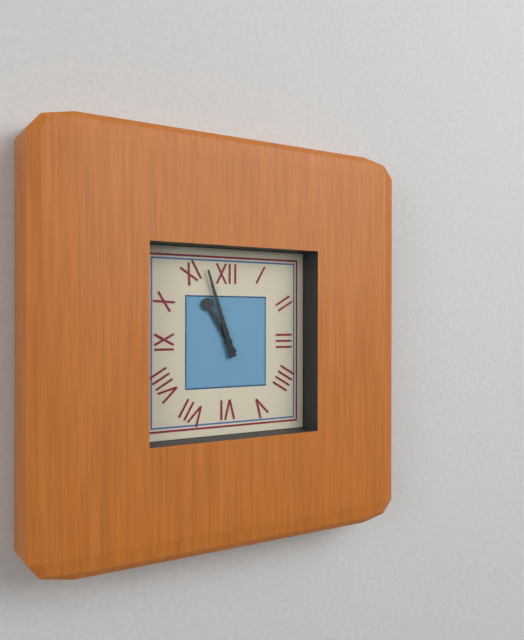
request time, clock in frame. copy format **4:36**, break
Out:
**10:57**
